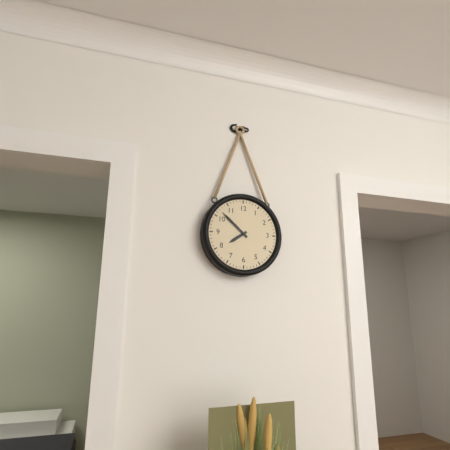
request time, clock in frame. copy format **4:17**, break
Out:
**7:52**
